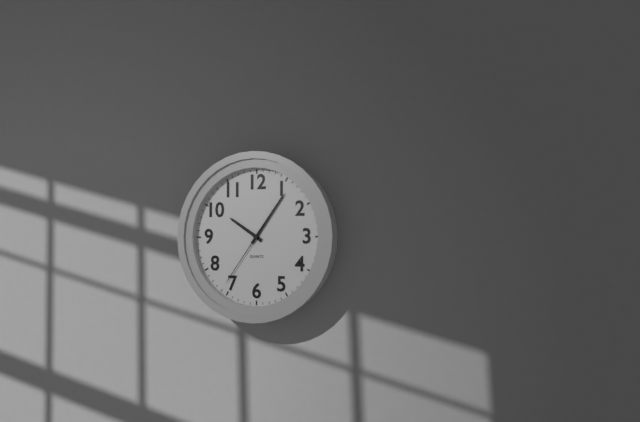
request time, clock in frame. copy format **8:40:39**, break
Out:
**10:06:36**
